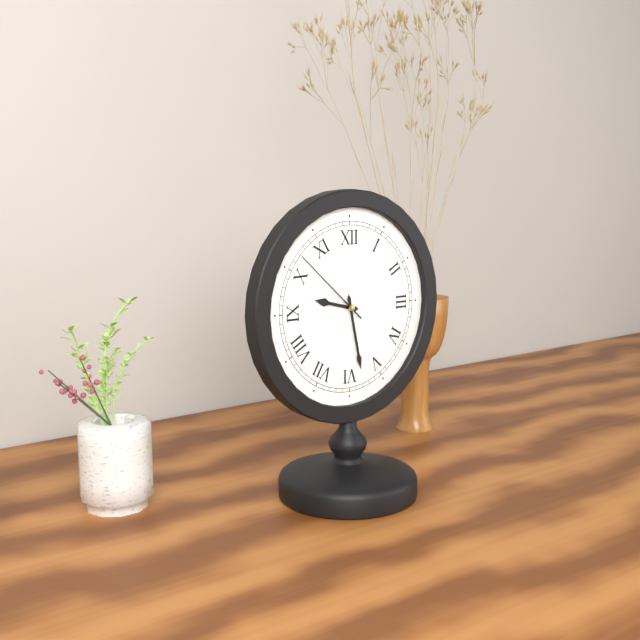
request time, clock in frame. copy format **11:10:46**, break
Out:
**9:28:52**
